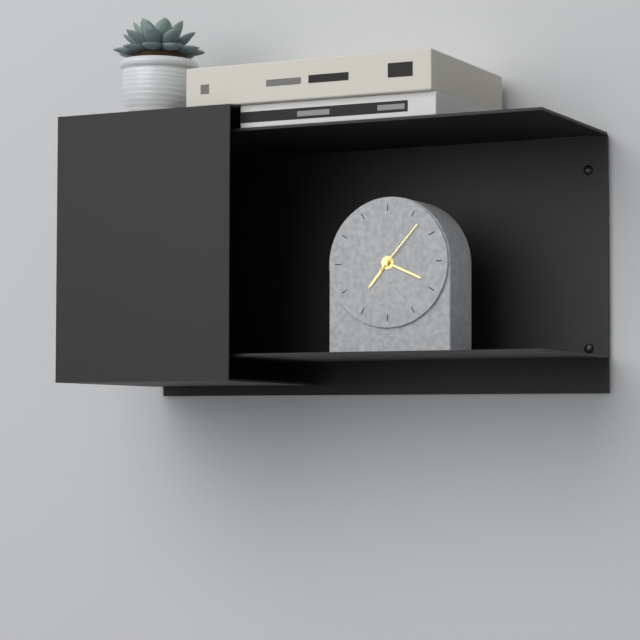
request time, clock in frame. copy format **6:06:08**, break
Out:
**7:19:07**
